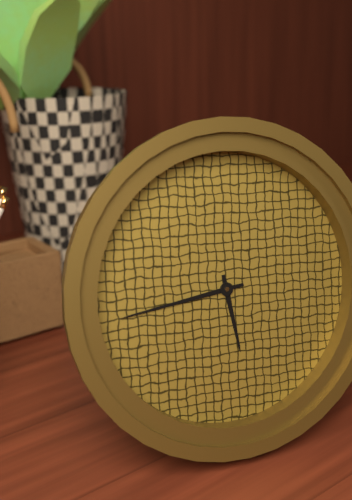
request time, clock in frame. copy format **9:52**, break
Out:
**5:44**
